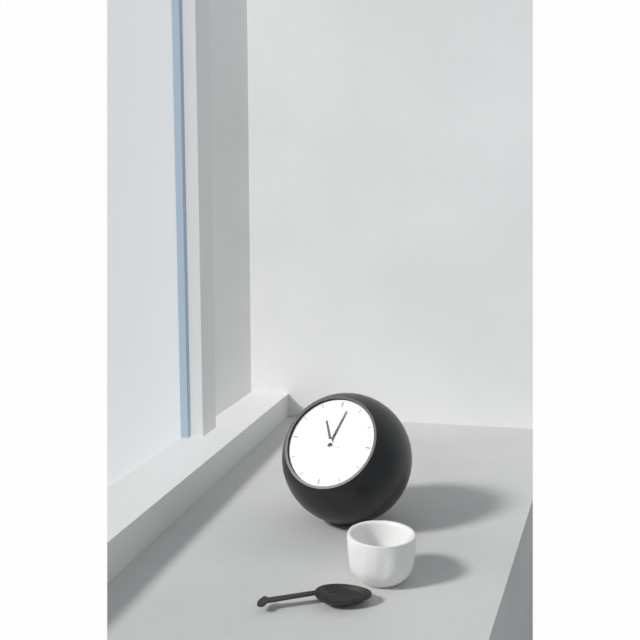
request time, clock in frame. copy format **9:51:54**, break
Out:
**11:02:49**
